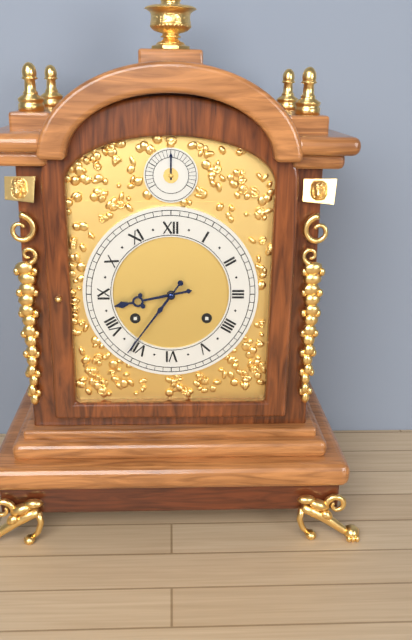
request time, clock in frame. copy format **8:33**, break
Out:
**8:36**
